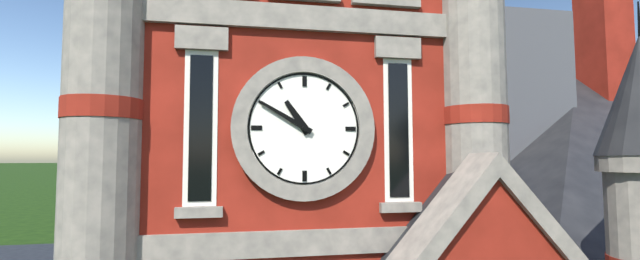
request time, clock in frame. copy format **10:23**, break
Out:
**10:50**
